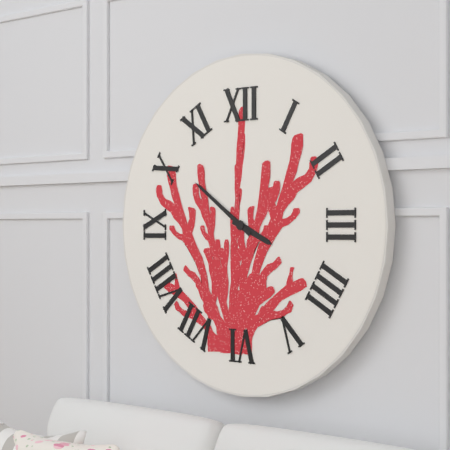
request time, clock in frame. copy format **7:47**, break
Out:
**3:51**
